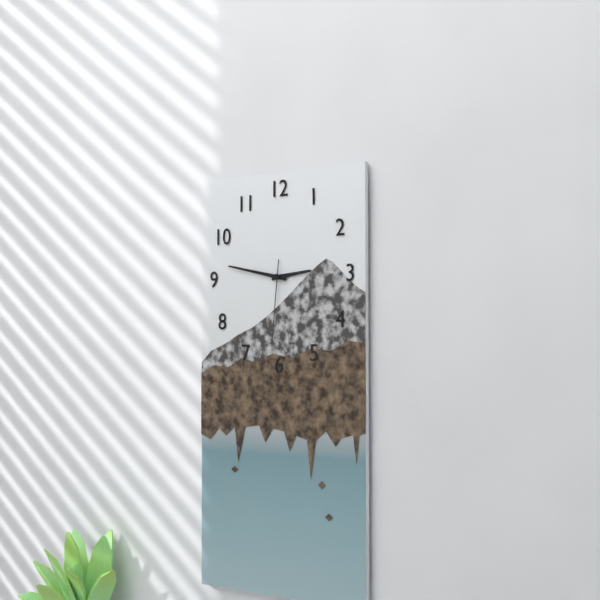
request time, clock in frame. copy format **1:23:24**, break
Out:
**2:47:31**
